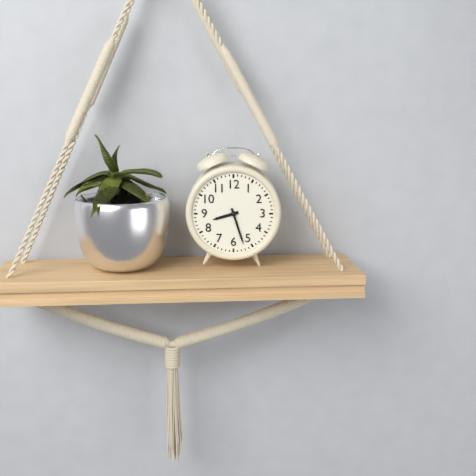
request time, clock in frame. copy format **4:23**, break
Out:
**8:27**
